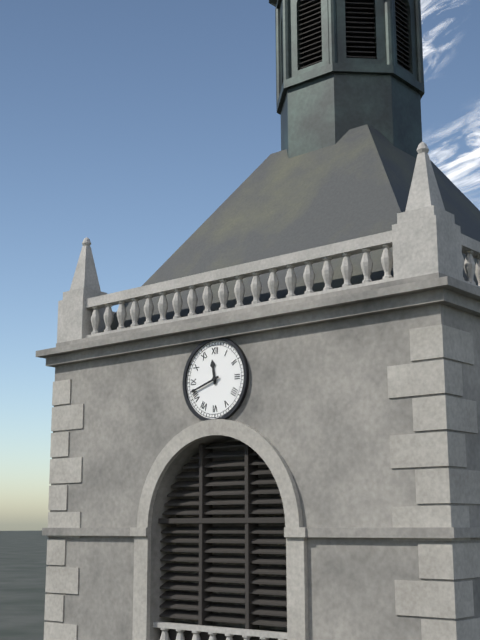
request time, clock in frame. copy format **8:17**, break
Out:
**11:42**
